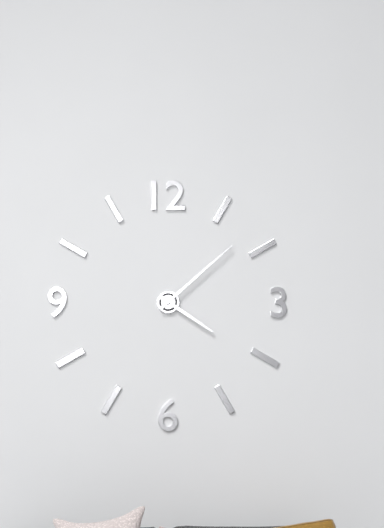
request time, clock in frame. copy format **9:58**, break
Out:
**4:08**
